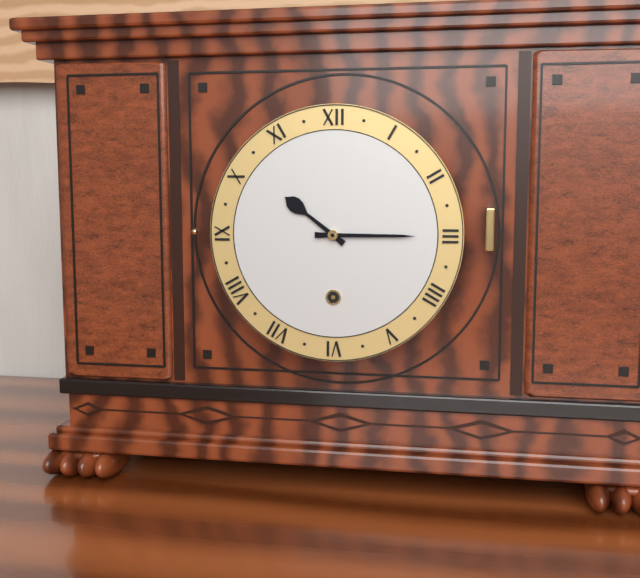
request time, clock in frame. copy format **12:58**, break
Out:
**10:15**
